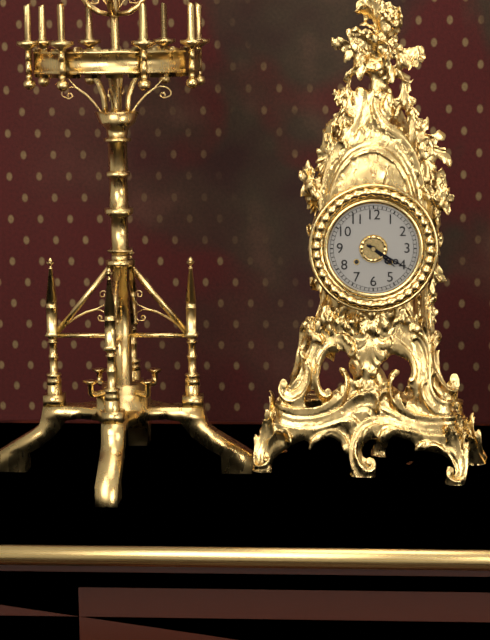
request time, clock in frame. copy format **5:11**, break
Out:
**4:20**
